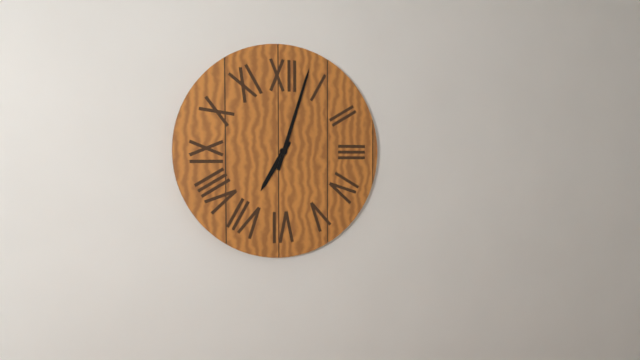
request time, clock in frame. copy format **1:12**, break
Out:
**7:03**
